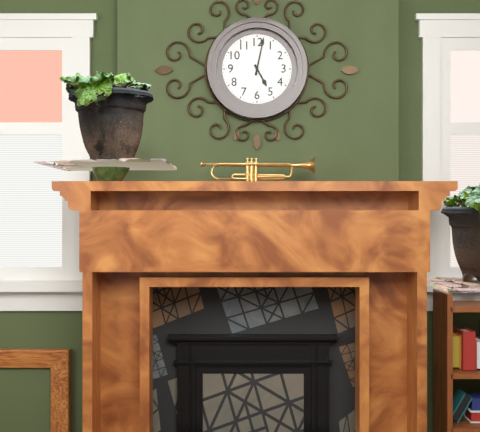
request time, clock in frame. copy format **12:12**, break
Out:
**5:02**
